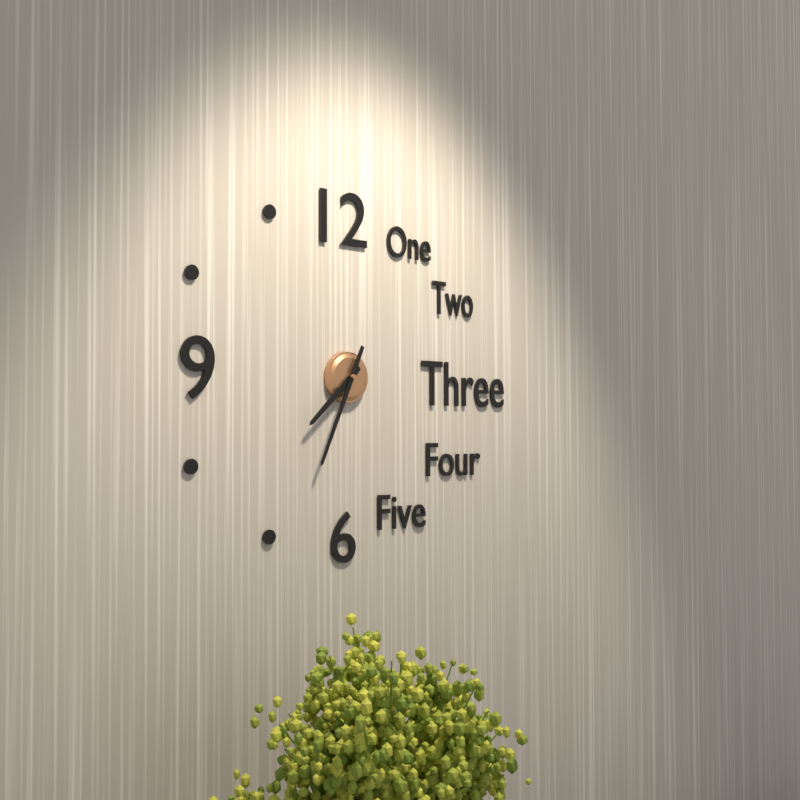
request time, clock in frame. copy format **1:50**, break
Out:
**7:34**
